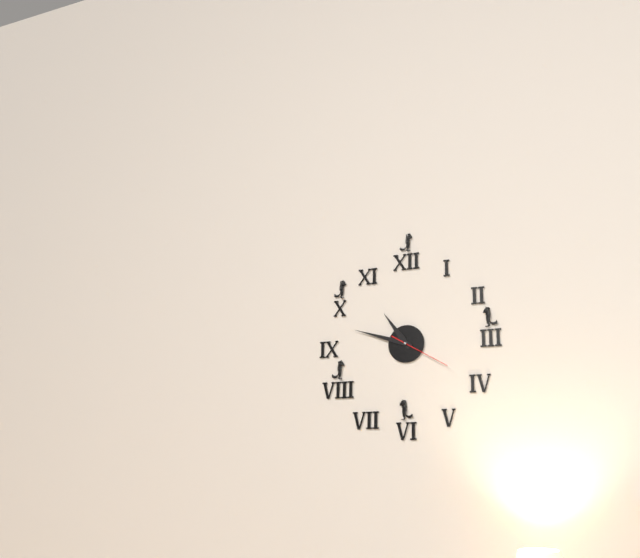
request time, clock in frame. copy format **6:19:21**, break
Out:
**10:48:20**
